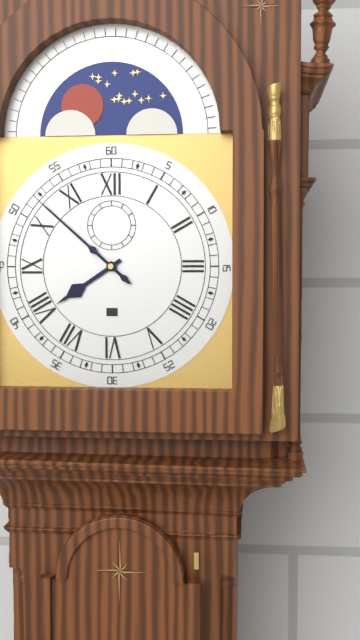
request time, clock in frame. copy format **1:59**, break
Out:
**7:52**
